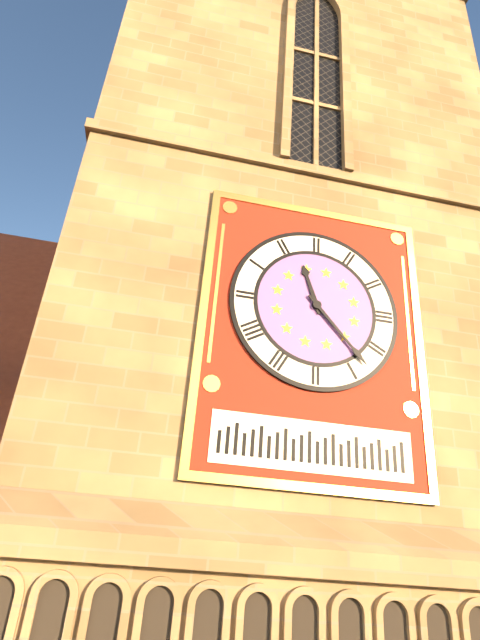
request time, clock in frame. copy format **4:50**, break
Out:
**11:23**
